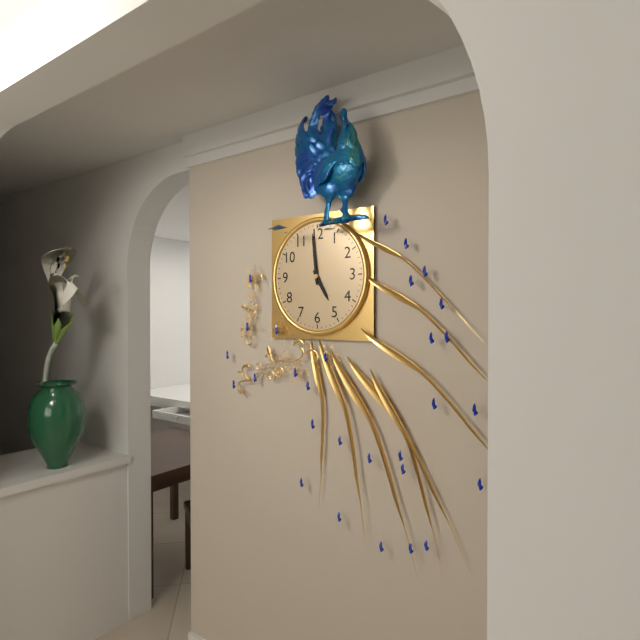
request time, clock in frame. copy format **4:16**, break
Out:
**4:59**
